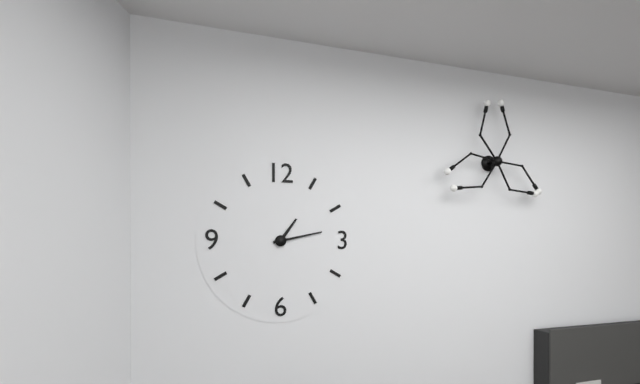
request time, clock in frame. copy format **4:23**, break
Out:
**1:13**
